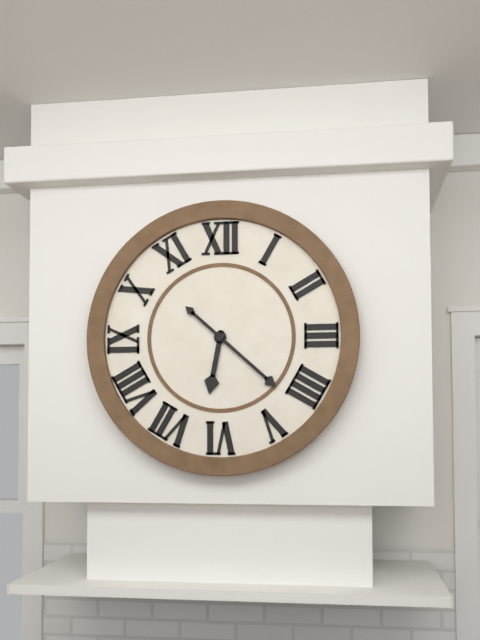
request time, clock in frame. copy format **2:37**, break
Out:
**6:22**
